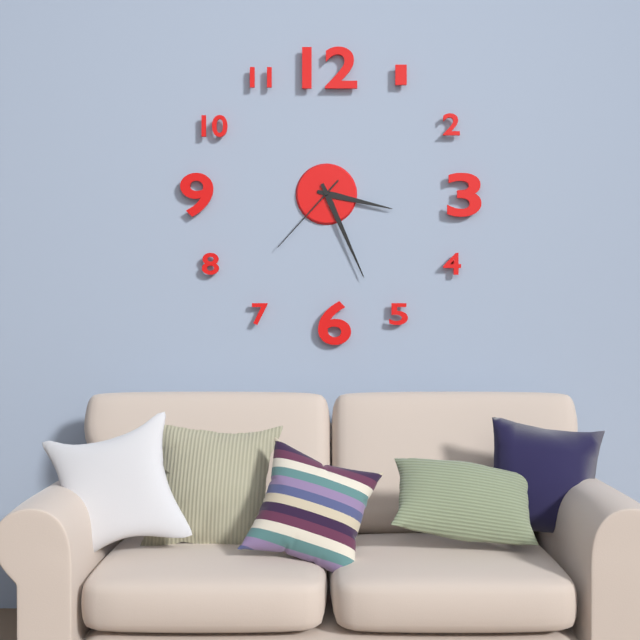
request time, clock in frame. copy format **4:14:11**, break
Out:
**3:26:37**
